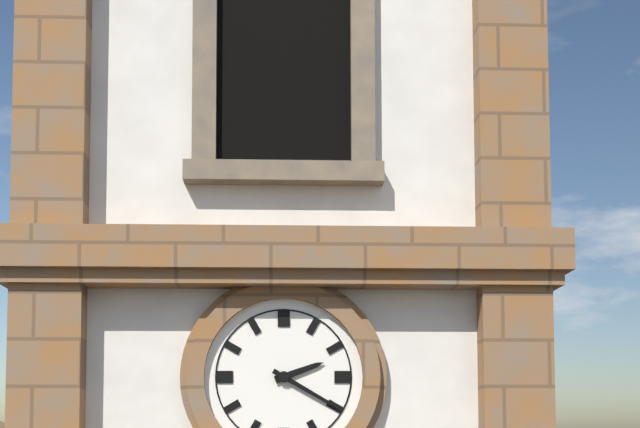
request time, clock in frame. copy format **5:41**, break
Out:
**2:20**
